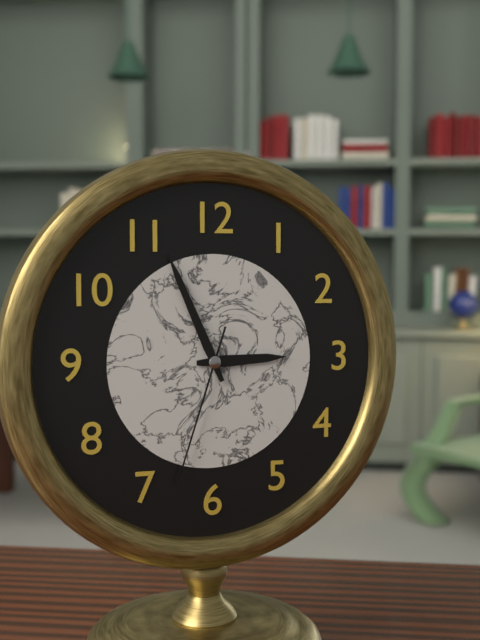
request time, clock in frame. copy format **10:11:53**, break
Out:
**2:56:33**
